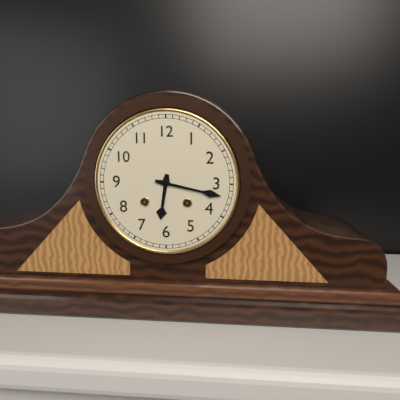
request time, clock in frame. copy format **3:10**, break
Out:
**6:17**
